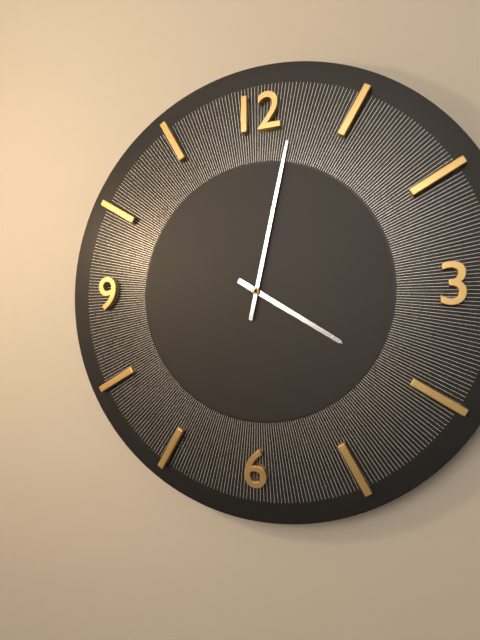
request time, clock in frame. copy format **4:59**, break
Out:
**4:02**
